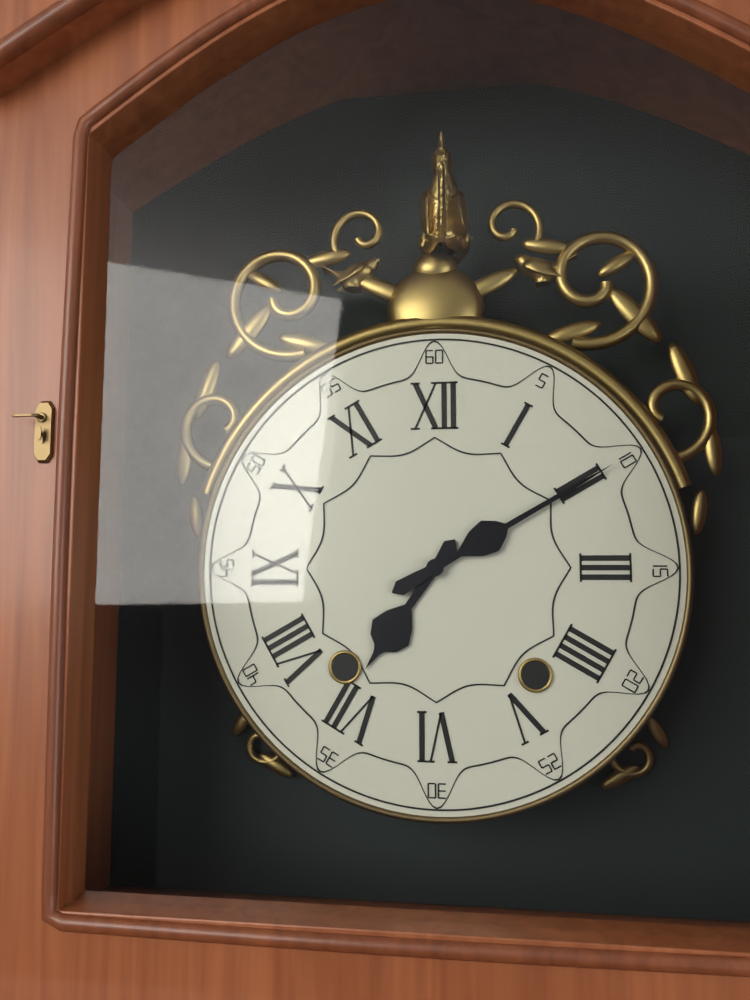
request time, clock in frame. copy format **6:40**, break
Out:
**7:10**
